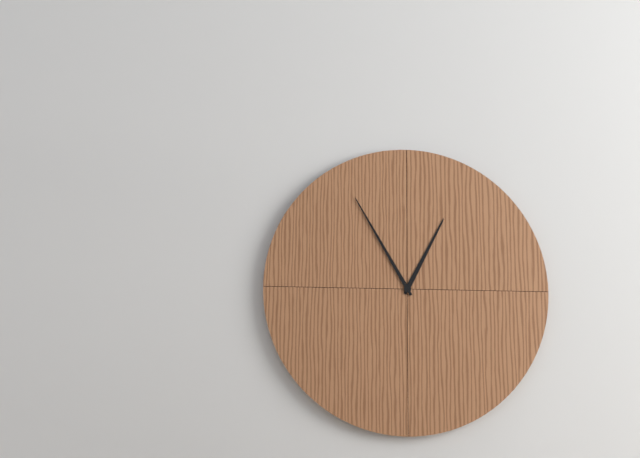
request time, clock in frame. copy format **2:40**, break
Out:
**12:55**
